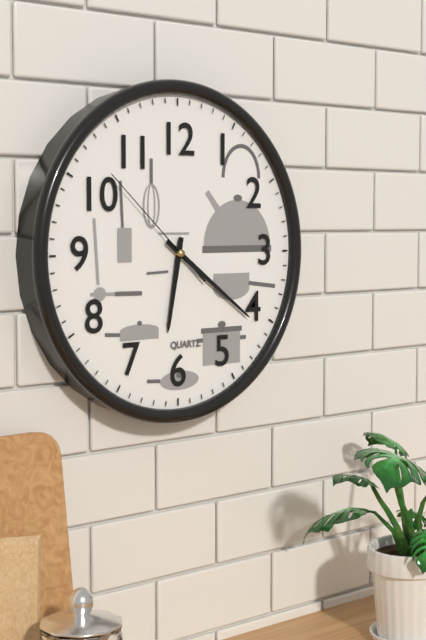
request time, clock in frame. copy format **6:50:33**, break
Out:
**6:21:52**
